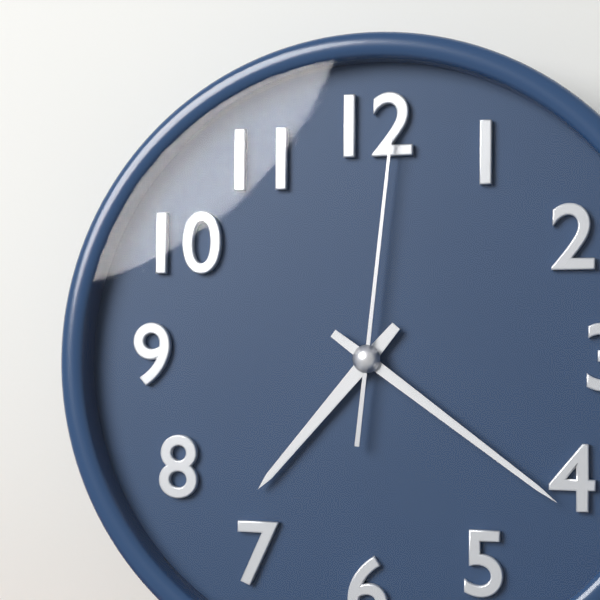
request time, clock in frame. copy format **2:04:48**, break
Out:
**7:21:01**
